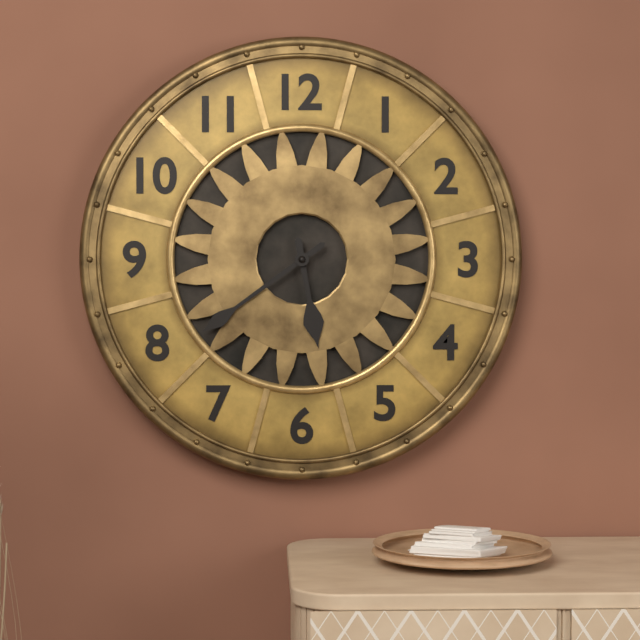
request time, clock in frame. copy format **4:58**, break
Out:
**5:39**
